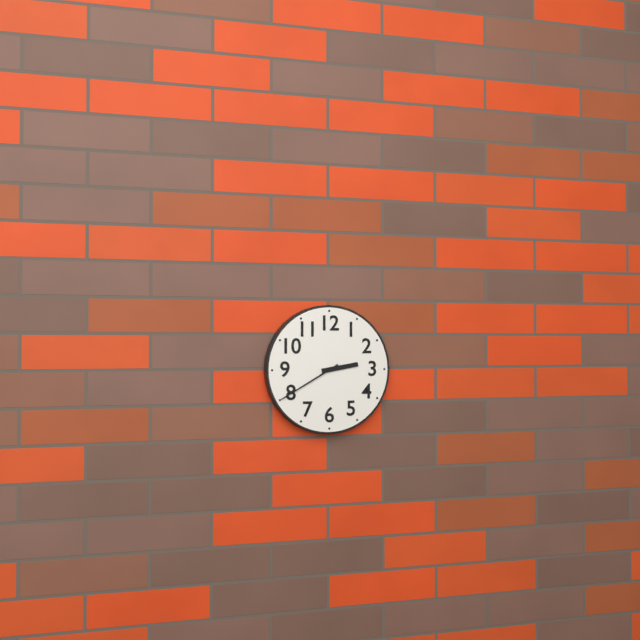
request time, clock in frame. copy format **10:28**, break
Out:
**2:40**
